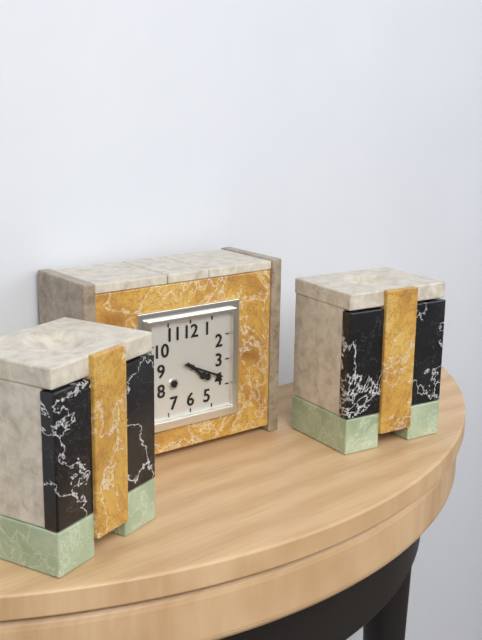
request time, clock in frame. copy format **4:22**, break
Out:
**4:19**
